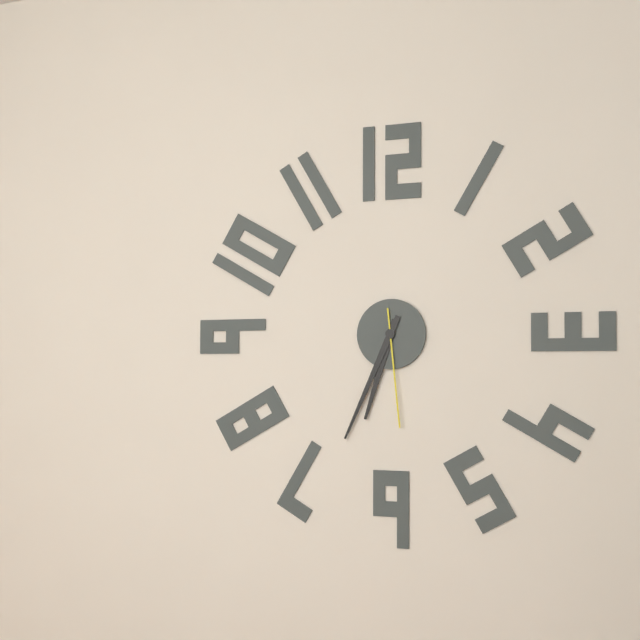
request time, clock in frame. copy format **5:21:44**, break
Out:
**6:34:29**
